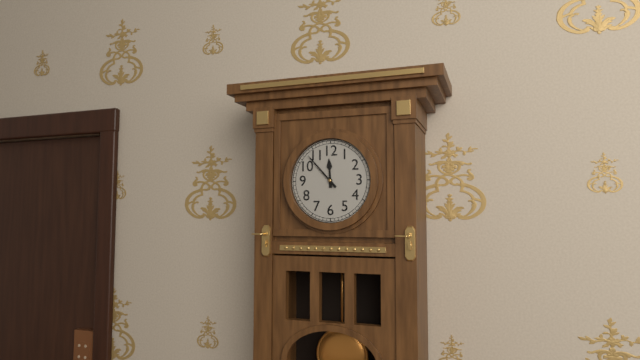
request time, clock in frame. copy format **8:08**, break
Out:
**11:53**
